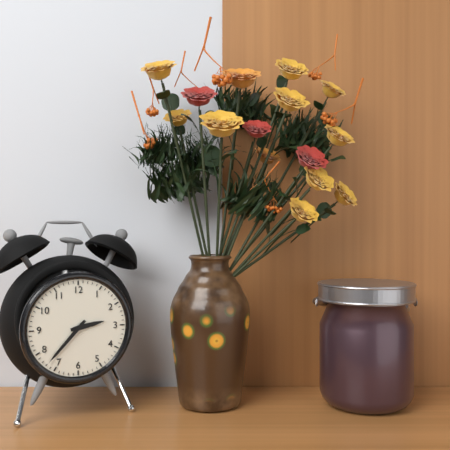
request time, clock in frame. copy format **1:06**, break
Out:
**2:37**
